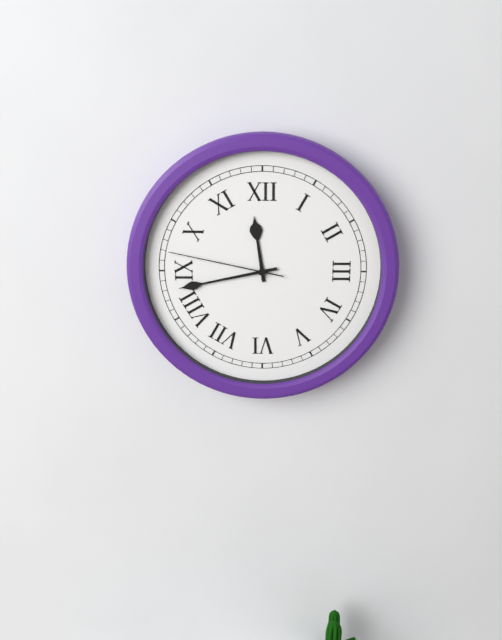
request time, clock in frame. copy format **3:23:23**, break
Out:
**11:43:47**
